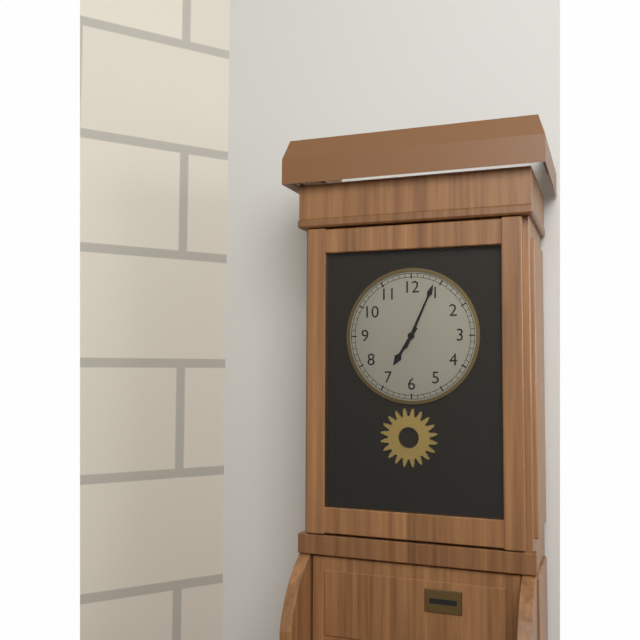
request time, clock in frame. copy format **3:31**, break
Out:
**7:04**
